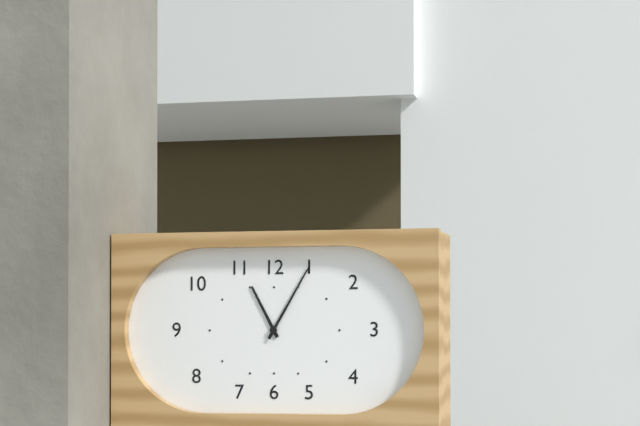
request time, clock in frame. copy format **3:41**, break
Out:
**11:05**
